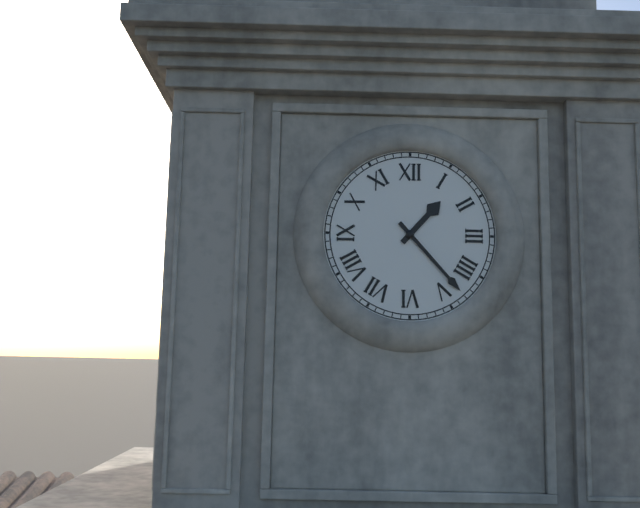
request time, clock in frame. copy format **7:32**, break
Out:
**1:23**
